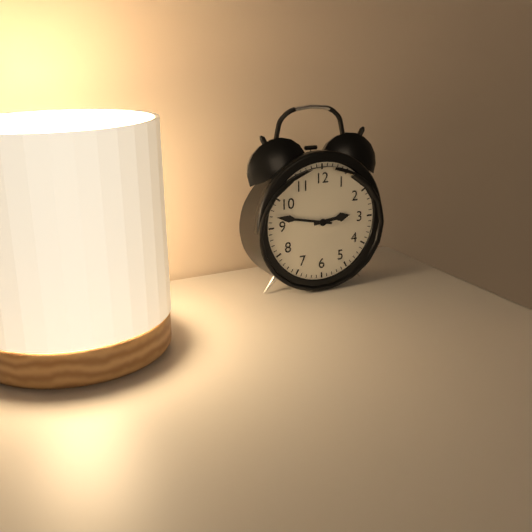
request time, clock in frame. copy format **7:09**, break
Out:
**2:47**
